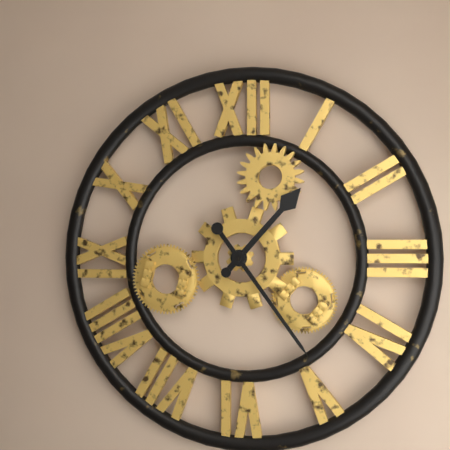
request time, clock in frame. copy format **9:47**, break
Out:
**1:24**
